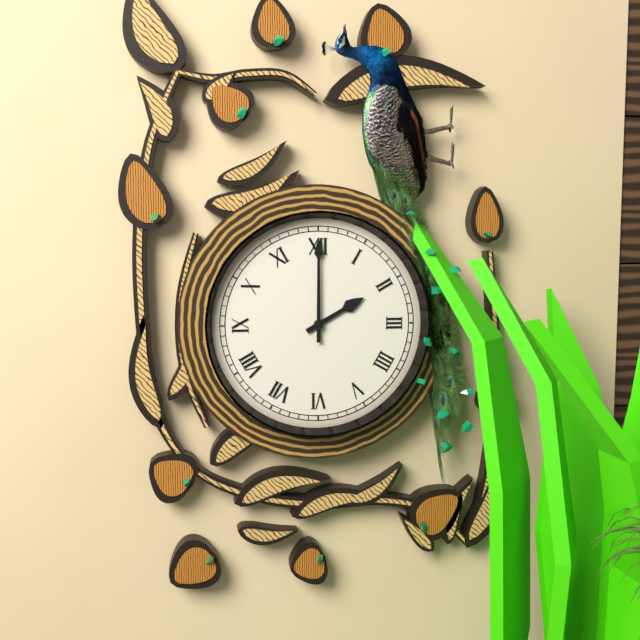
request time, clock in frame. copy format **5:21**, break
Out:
**2:00**
